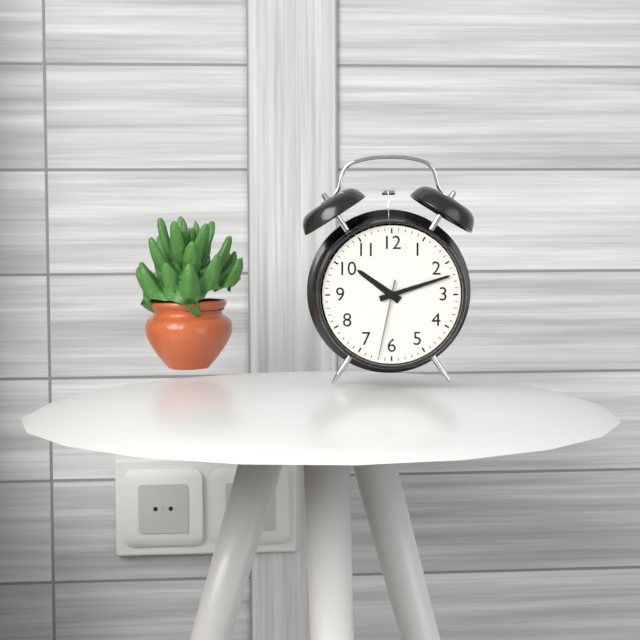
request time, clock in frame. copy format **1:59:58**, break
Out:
**10:12:32**
